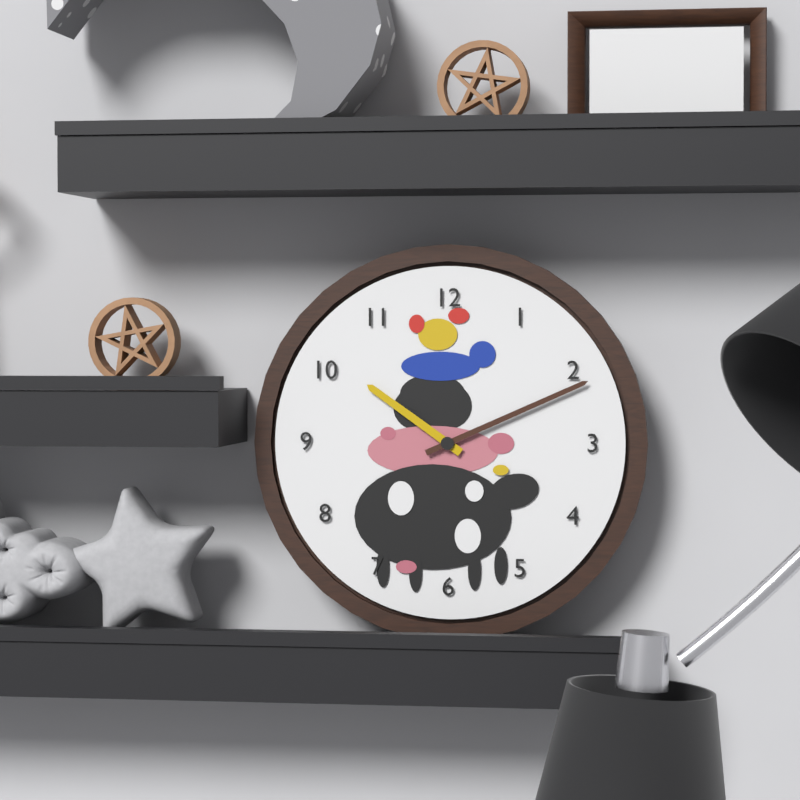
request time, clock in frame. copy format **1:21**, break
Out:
**10:11**
